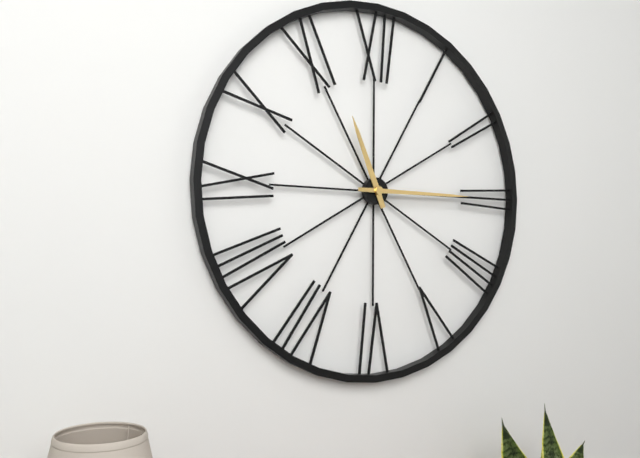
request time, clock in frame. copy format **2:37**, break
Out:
**11:15**
